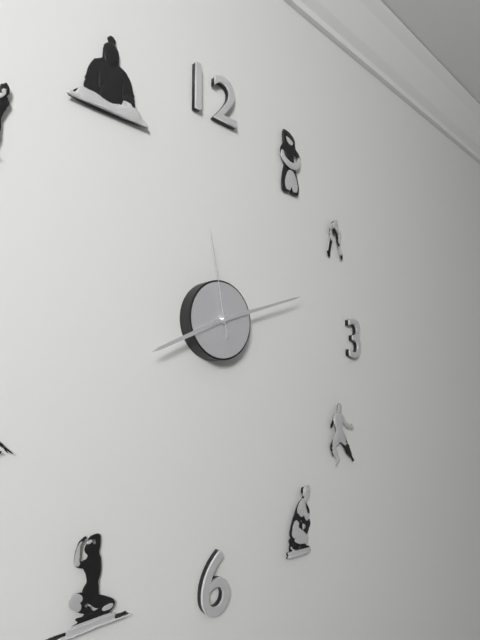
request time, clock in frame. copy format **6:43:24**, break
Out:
**8:12:58**
